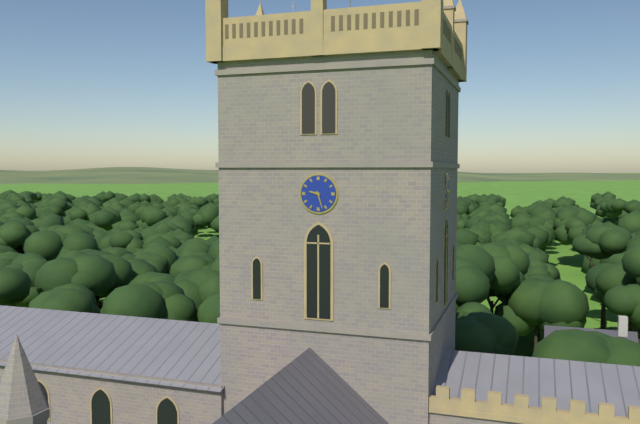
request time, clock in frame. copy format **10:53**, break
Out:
**9:27**
